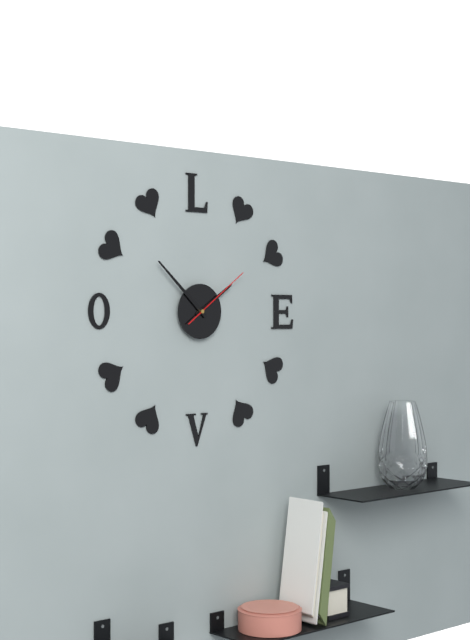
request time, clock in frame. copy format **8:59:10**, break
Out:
**1:52:09**
